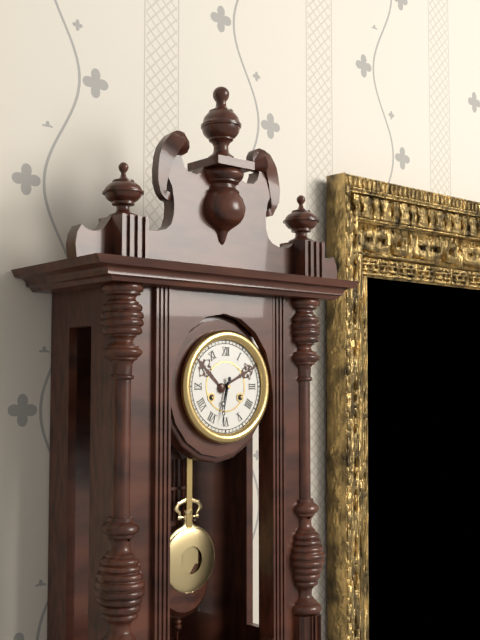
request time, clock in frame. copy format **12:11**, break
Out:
**6:32**
